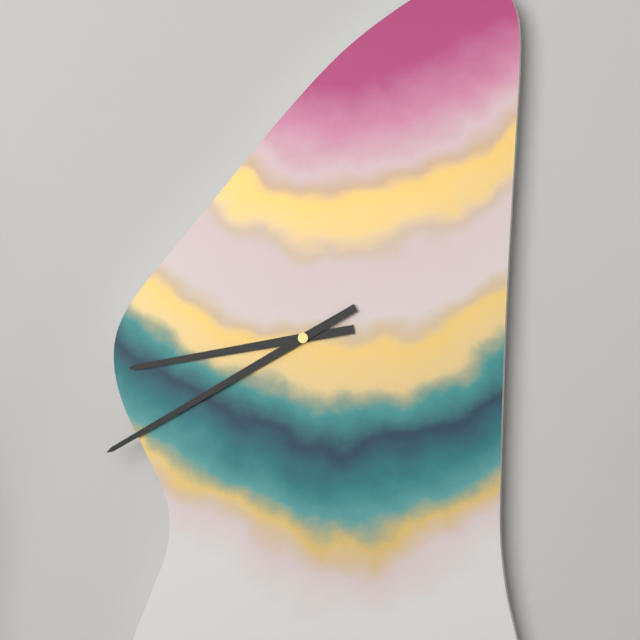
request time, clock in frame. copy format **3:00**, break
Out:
**8:40**
